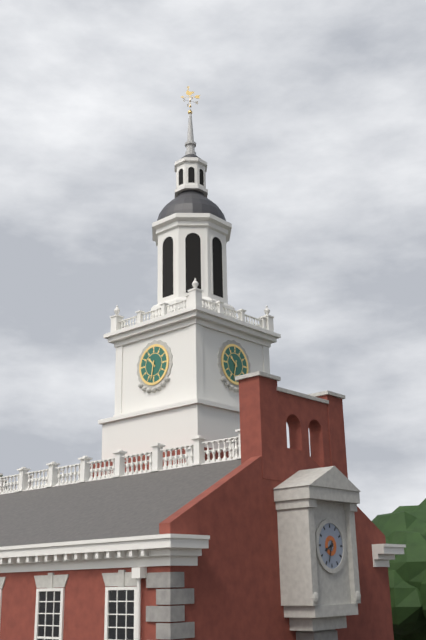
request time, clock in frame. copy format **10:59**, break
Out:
**10:32**
